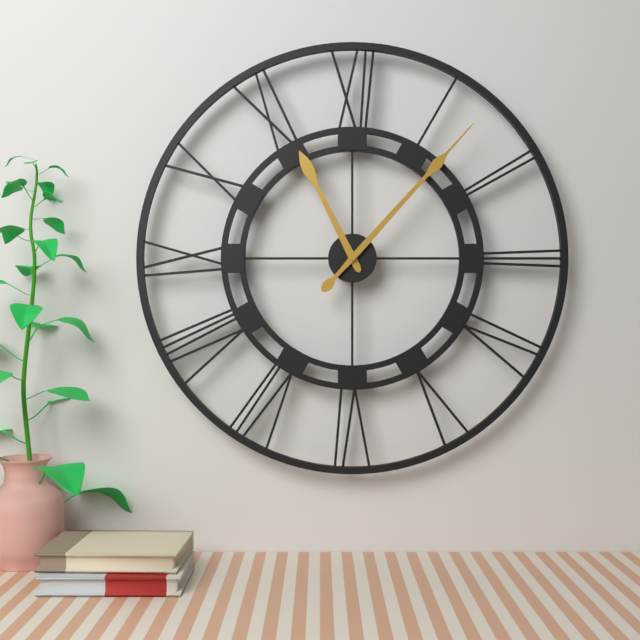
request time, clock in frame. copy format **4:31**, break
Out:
**11:07**
